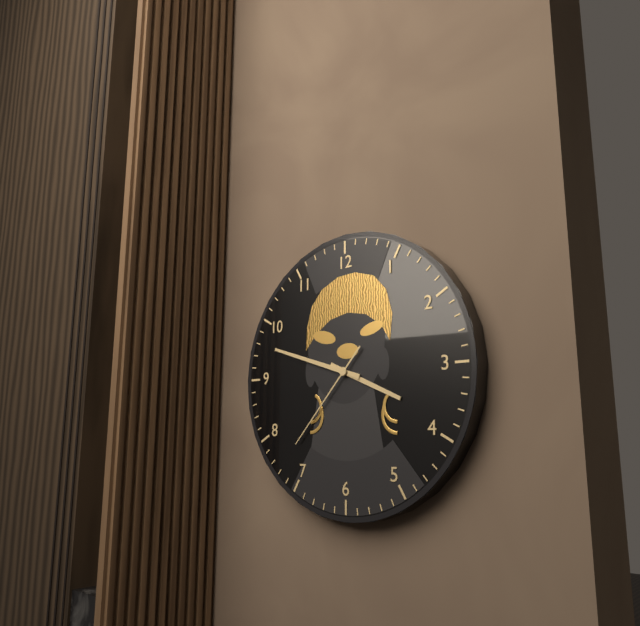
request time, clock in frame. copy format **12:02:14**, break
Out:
**3:48:37**
